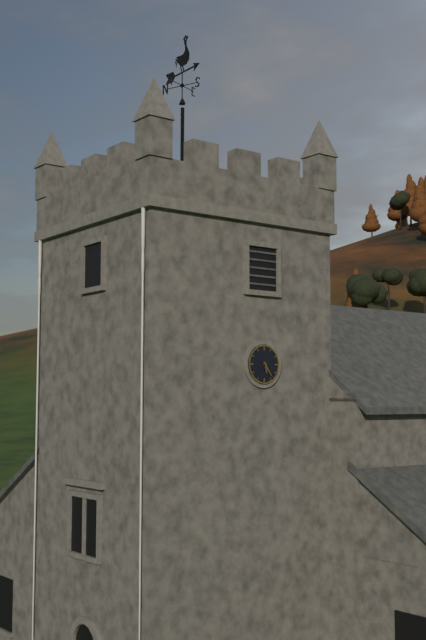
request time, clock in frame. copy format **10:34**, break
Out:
**5:24**
